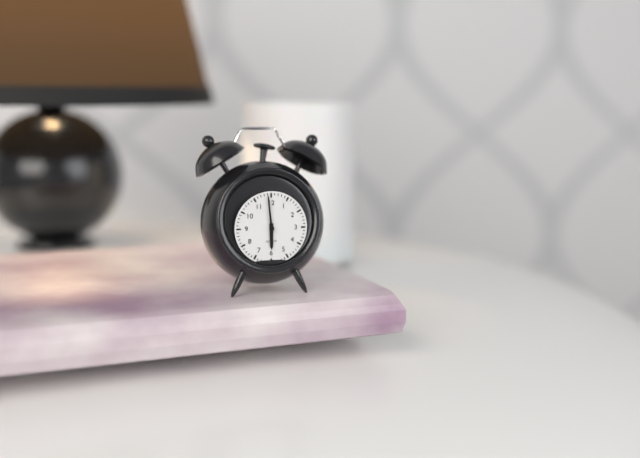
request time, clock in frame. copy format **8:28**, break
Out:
**5:59**
